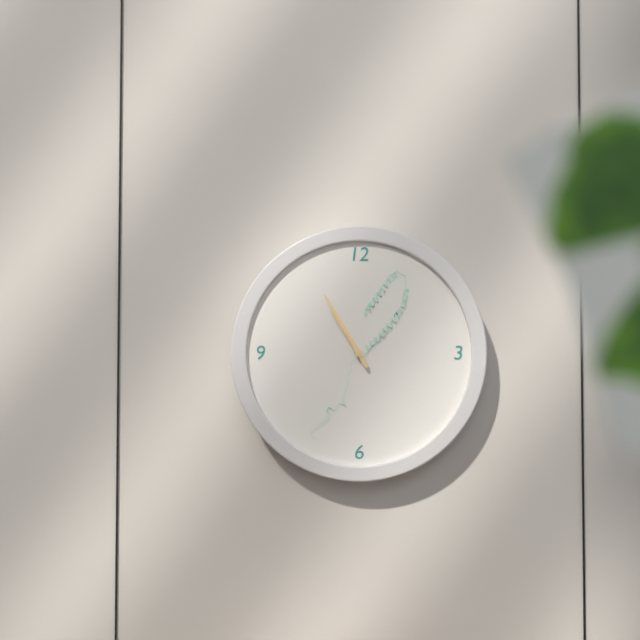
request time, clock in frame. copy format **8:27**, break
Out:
**10:55**
